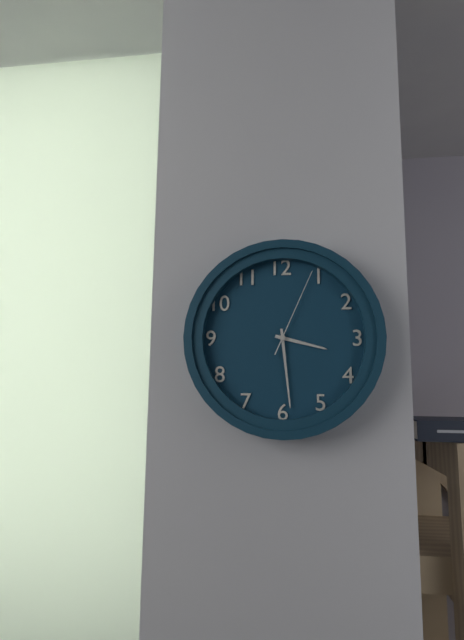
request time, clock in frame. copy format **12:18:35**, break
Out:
**3:29:04**
